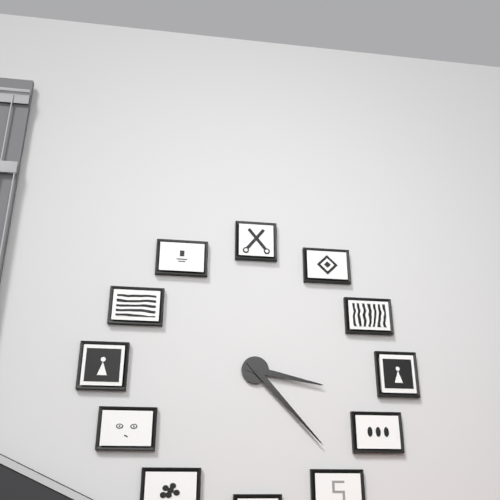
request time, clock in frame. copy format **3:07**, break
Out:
**3:23**
